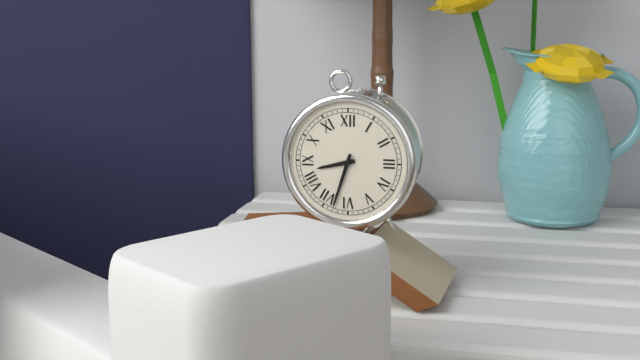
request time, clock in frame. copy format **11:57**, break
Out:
**8:33**
